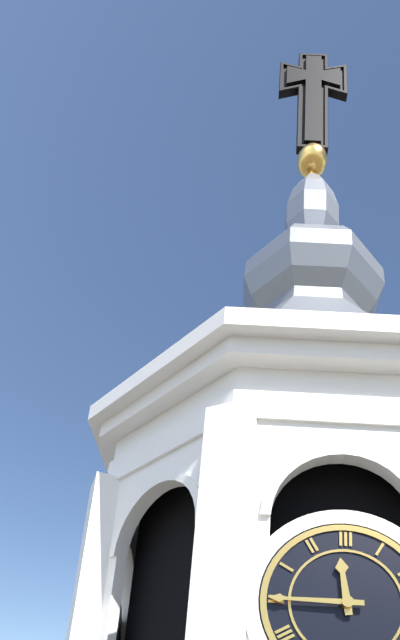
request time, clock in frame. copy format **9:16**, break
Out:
**11:45**
